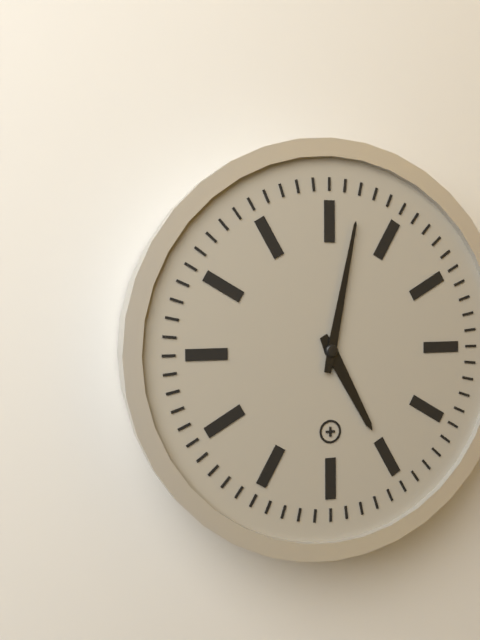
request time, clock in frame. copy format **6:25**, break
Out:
**5:02**
